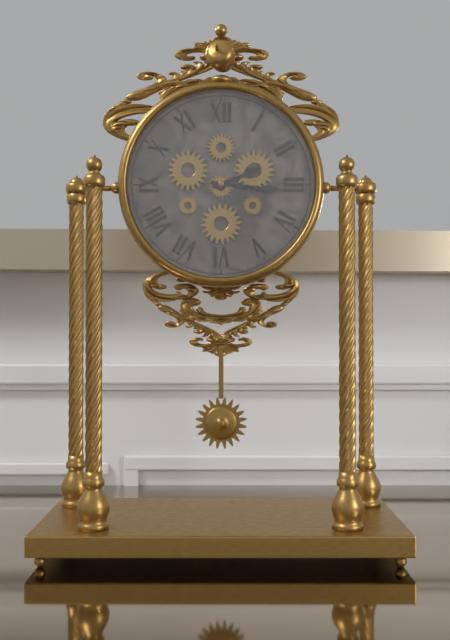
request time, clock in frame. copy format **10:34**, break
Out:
**2:16**
